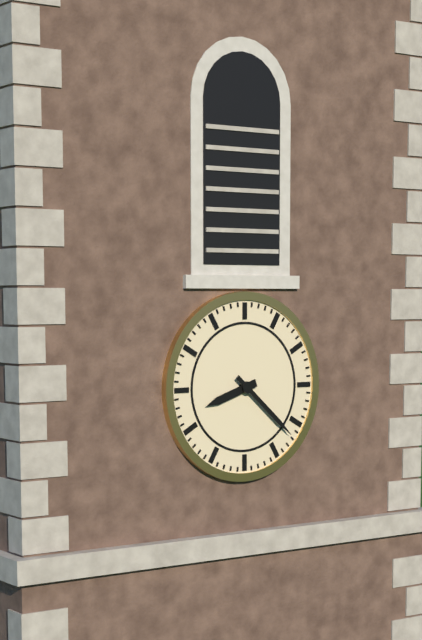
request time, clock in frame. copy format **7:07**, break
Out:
**8:22**
